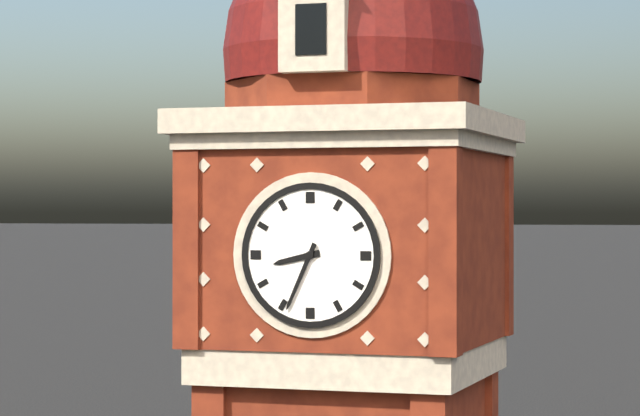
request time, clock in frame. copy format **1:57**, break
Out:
**8:34**
